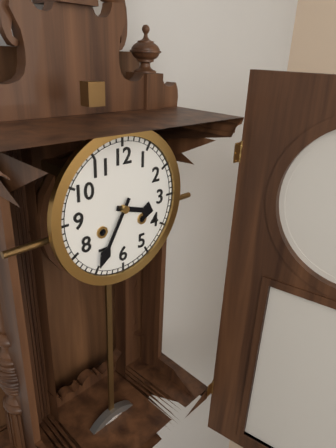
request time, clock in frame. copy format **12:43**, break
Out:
**3:35**
